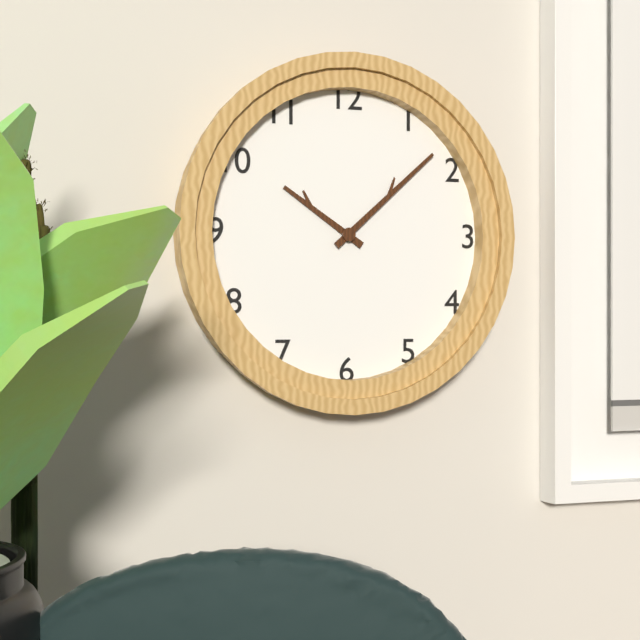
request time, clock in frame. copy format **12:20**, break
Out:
**10:08**
